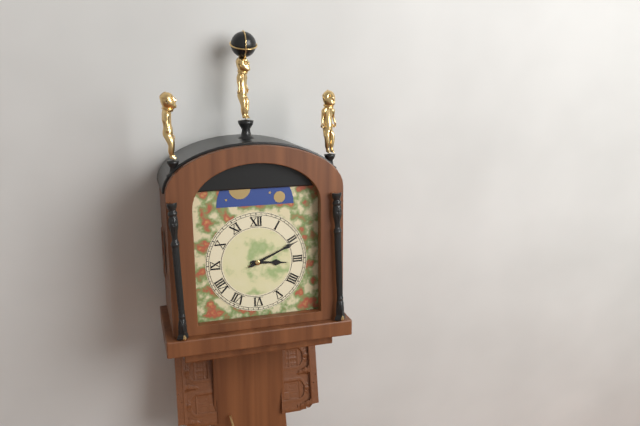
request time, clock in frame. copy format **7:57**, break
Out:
**3:11**
